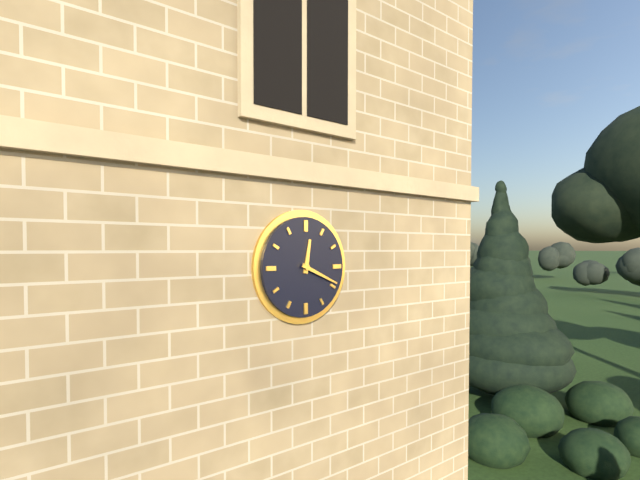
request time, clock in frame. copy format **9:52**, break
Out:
**12:19**
